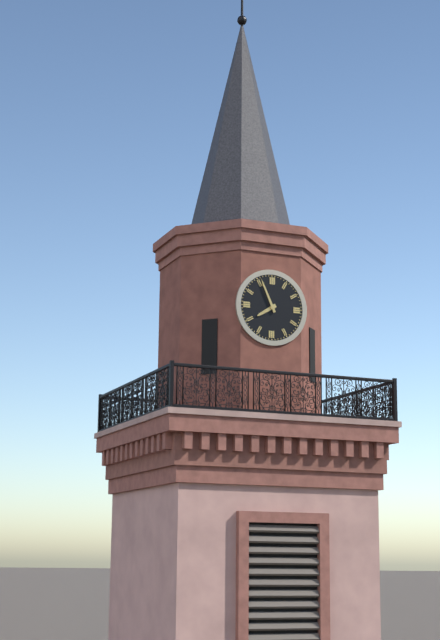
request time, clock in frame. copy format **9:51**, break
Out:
**7:56**
